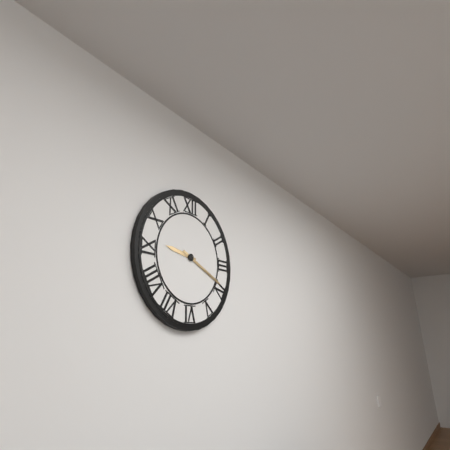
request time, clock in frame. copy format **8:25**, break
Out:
**9:19**
